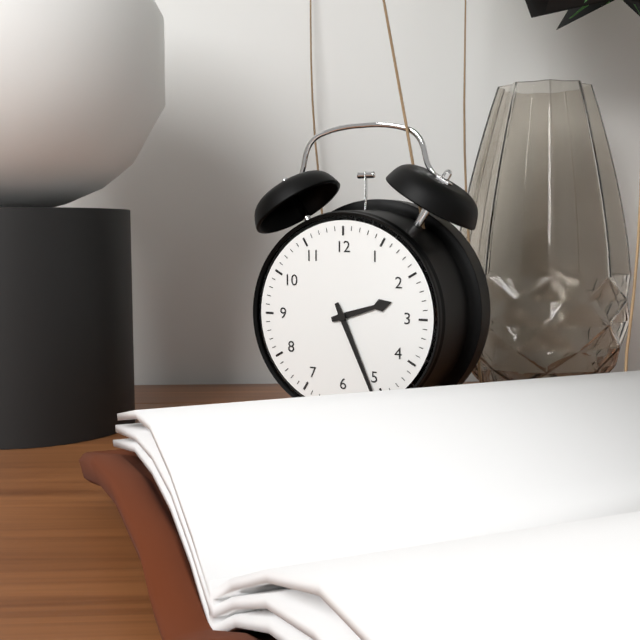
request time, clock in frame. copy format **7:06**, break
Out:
**2:26**
